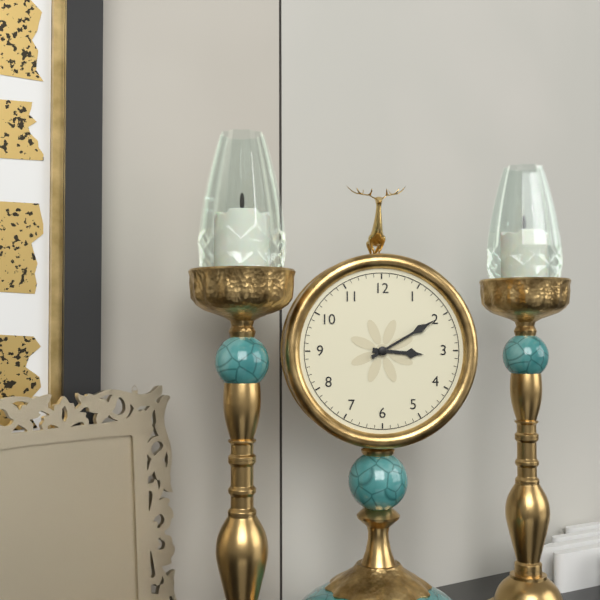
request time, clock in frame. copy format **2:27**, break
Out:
**3:10**
